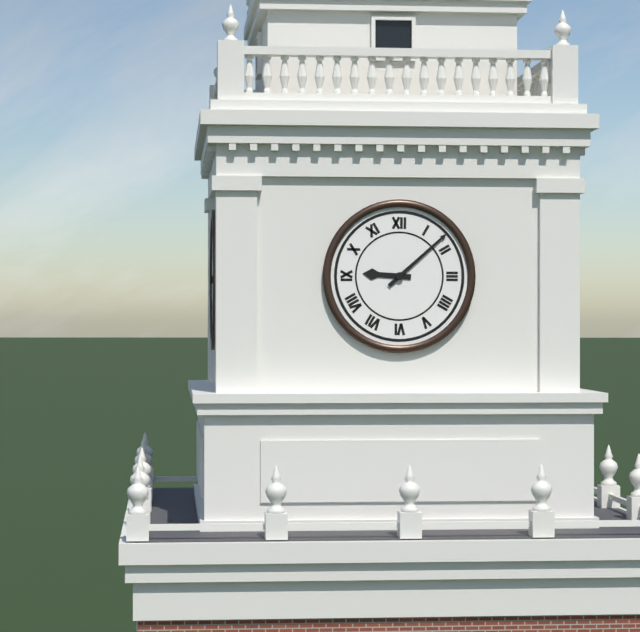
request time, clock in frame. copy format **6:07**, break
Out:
**9:08**
